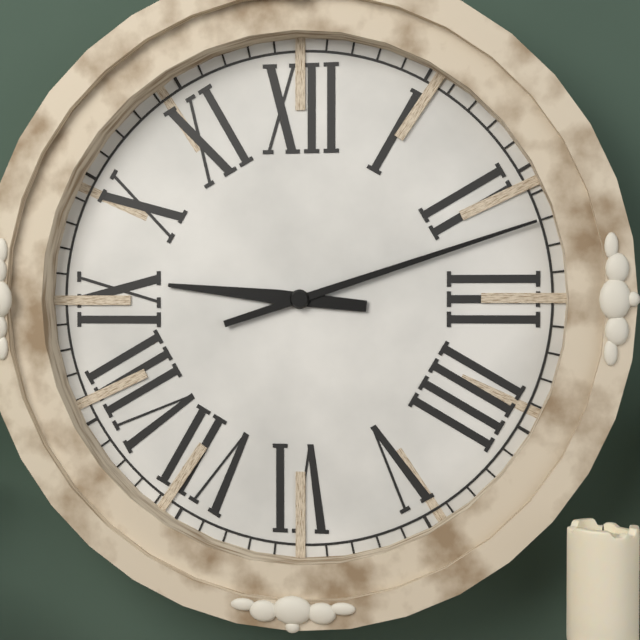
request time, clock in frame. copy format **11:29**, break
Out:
**9:12**
